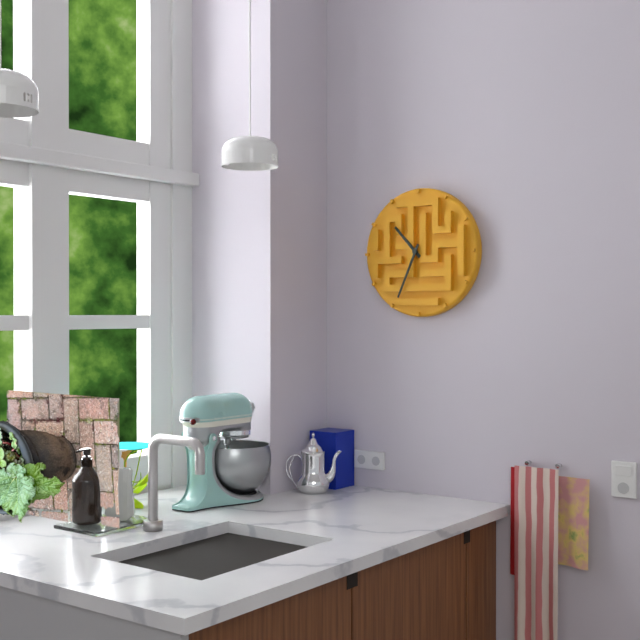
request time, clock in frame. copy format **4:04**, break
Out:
**10:34**
